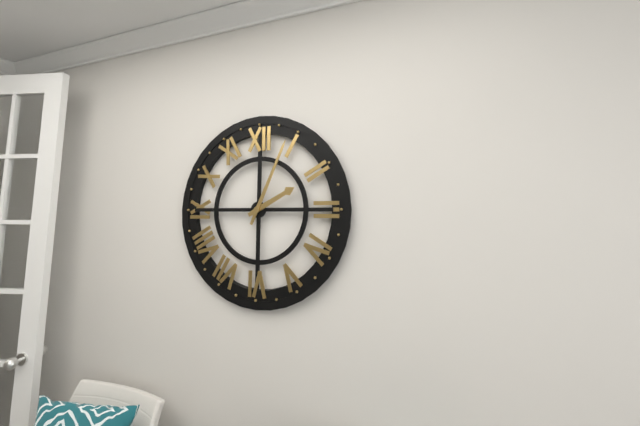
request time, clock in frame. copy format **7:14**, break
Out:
**2:04**
